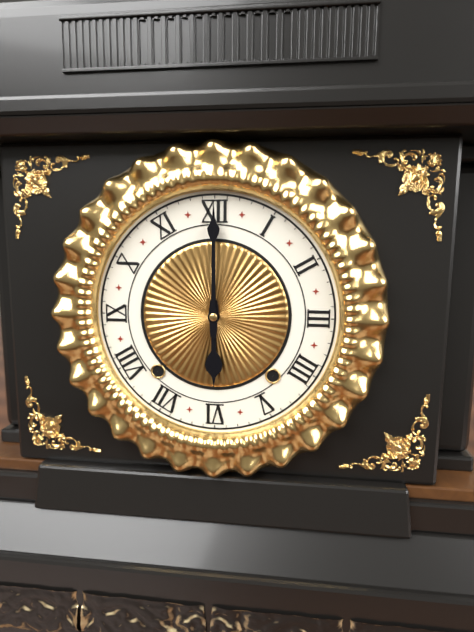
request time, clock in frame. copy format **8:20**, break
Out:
**6:00**
